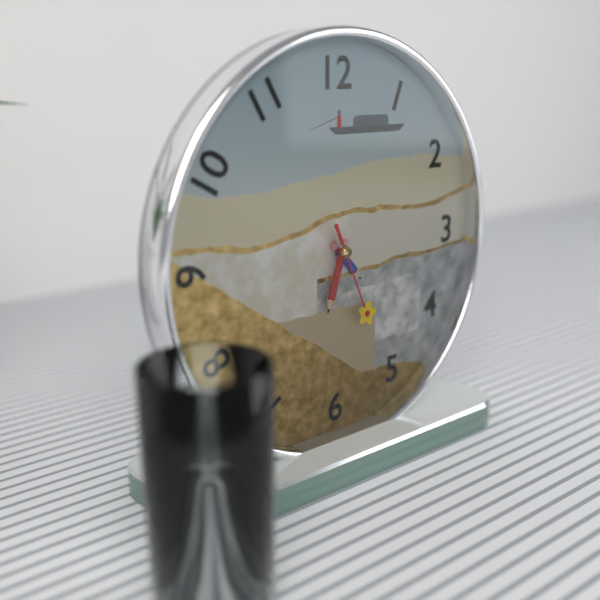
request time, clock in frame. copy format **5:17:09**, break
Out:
**4:33:26**
